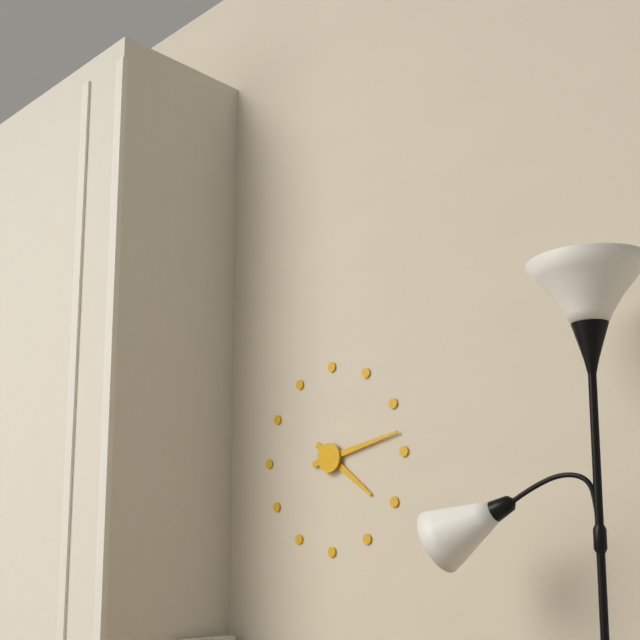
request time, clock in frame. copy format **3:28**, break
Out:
**4:13**
